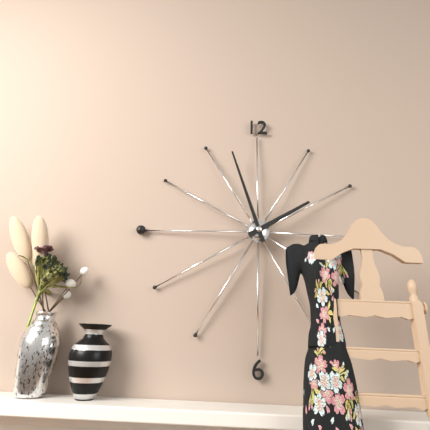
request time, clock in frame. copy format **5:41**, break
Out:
**1:57**
